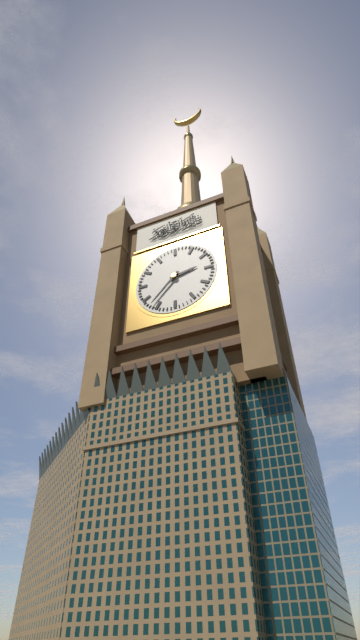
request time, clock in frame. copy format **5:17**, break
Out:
**2:37**
